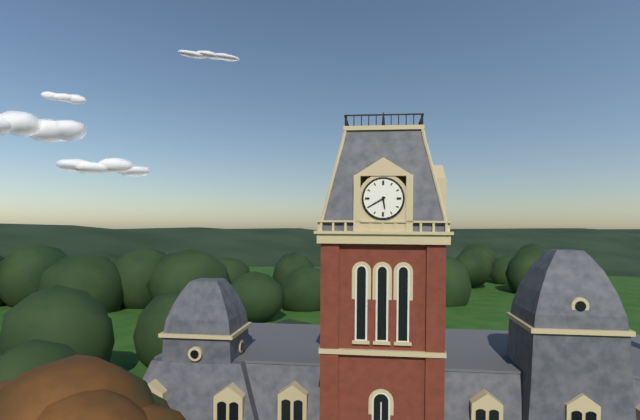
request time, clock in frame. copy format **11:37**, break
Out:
**5:40**
